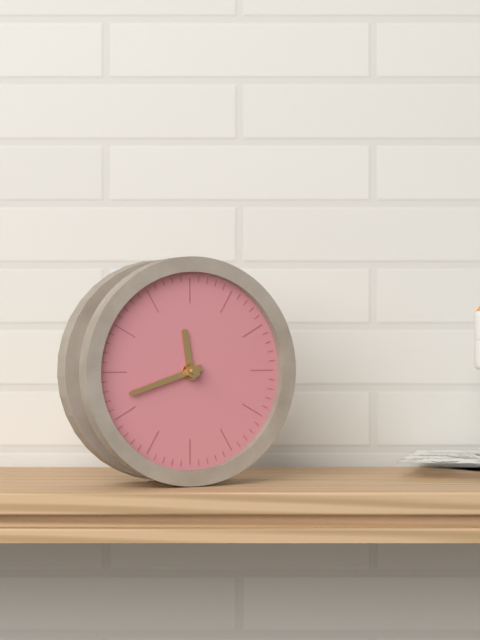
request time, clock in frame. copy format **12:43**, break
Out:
**11:42**
